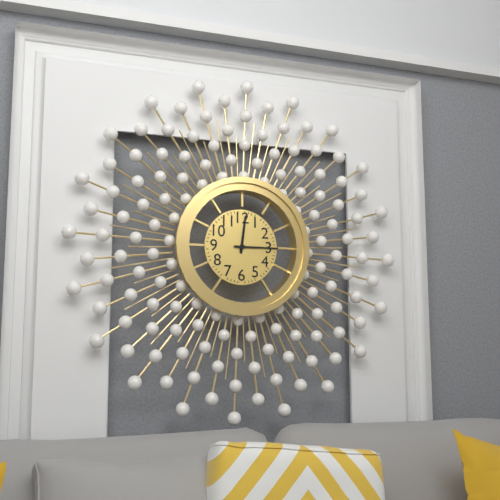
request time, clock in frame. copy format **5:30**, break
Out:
**12:15**
